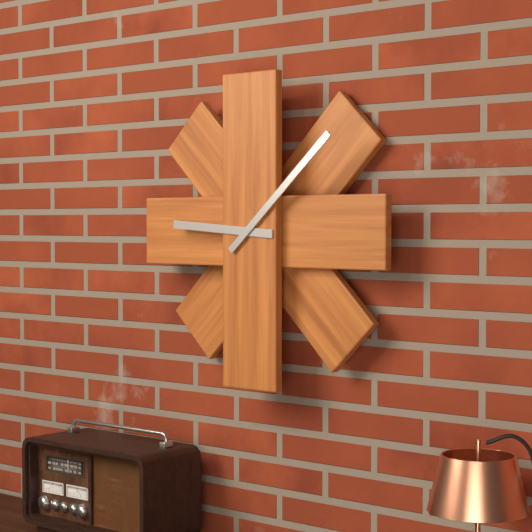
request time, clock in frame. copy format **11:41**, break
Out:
**9:08**
